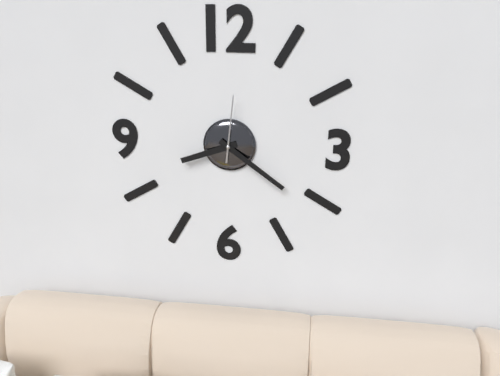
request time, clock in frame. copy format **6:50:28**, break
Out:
**8:21:01**
